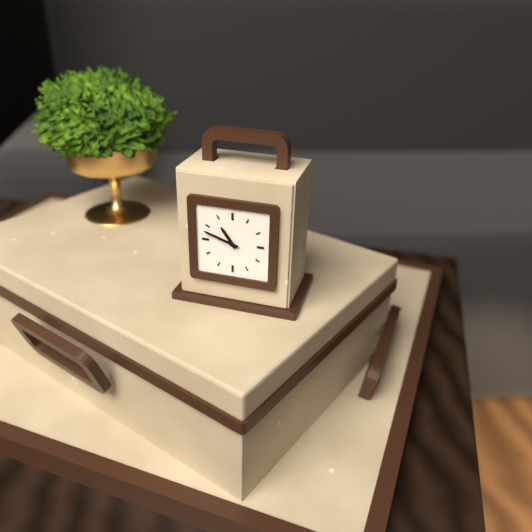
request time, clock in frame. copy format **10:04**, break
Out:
**10:48**
